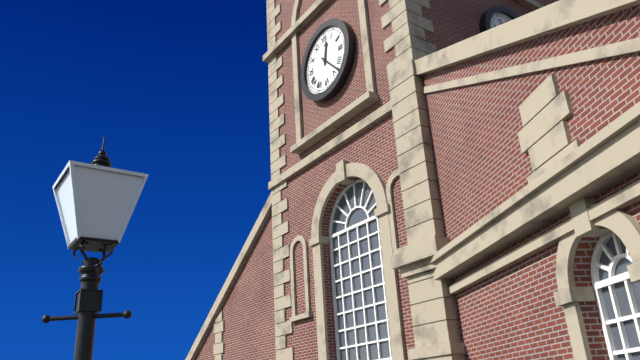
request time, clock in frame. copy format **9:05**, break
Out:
**12:23**
